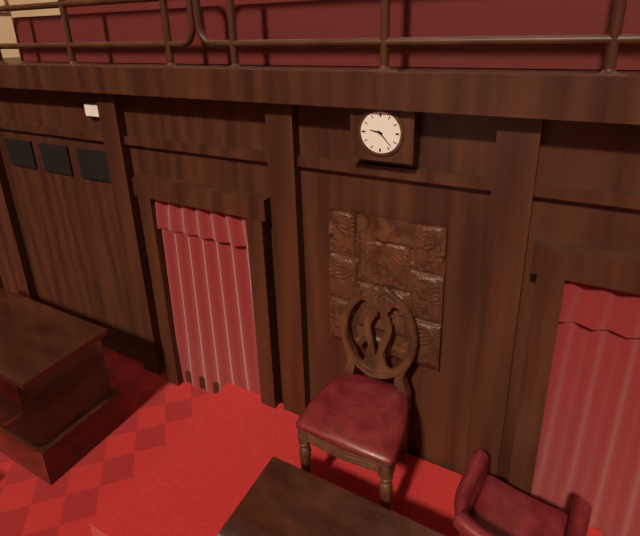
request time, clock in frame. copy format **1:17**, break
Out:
**9:23**
